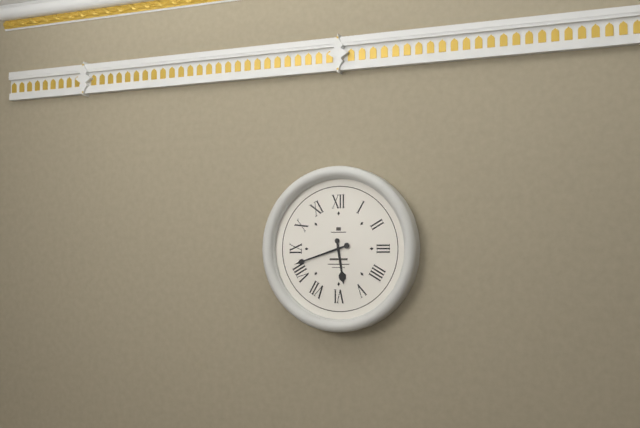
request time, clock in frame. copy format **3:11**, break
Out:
**5:42**
